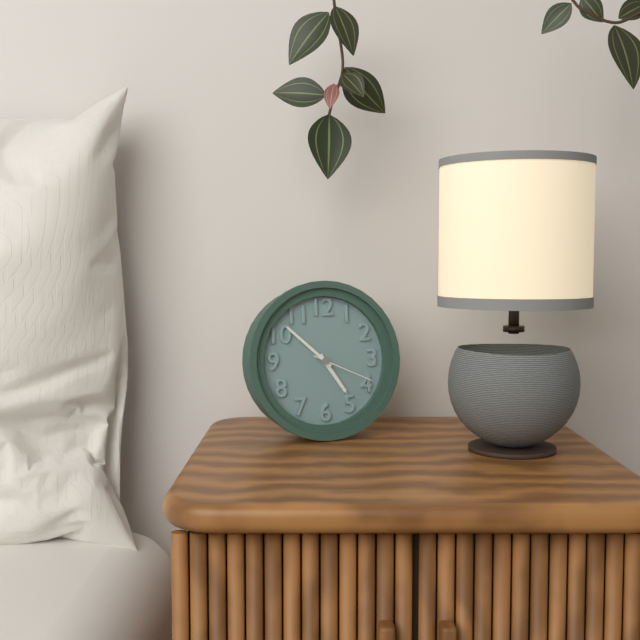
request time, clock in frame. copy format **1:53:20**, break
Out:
**4:52:19**
